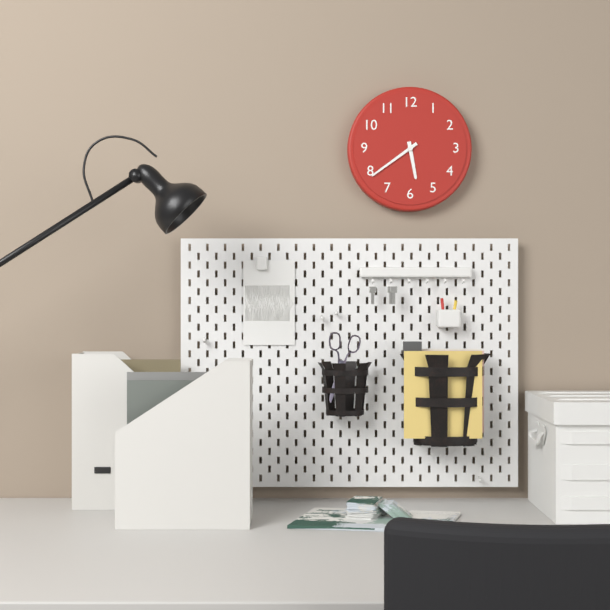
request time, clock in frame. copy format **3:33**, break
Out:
**5:39**
